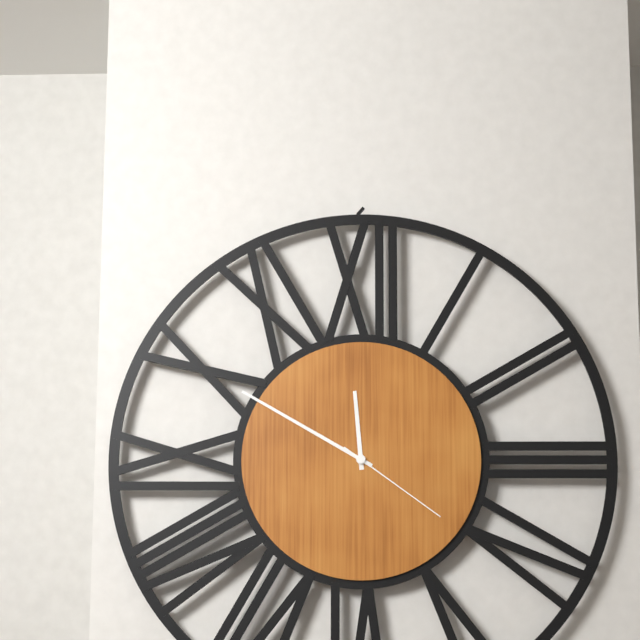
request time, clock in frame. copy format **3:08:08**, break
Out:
**11:50:21**
